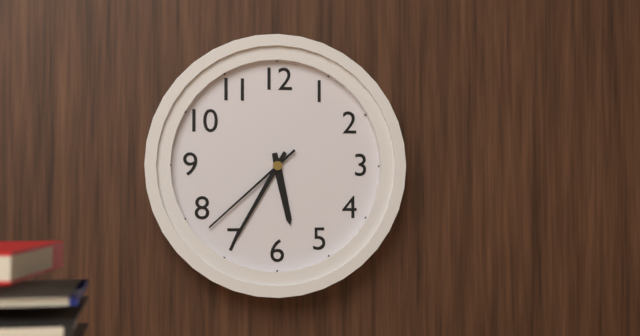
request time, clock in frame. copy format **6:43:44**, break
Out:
**5:35:38**
